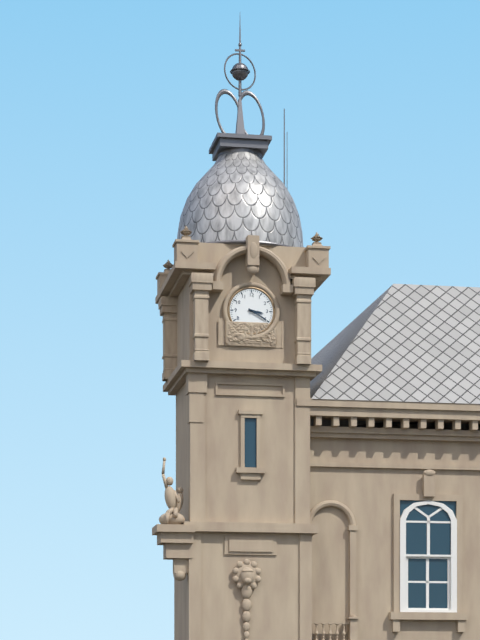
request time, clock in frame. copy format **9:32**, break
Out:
**3:20**
